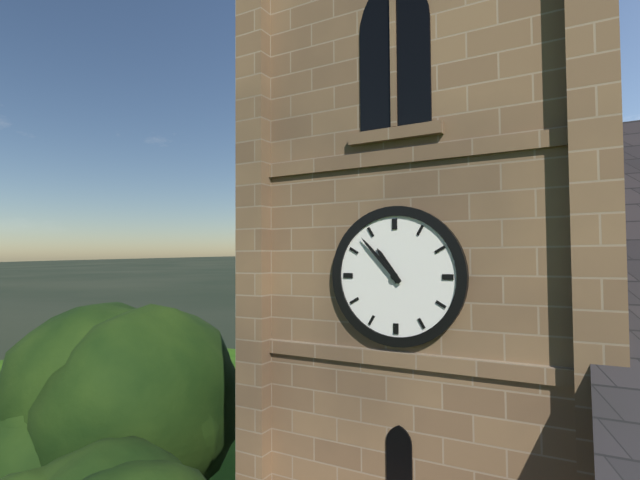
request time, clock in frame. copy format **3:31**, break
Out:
**10:53**
